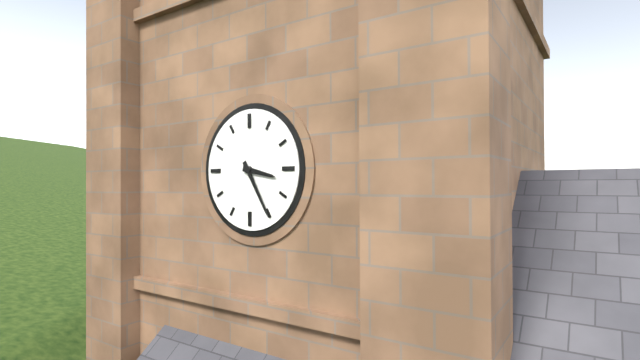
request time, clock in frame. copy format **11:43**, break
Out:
**3:25**
